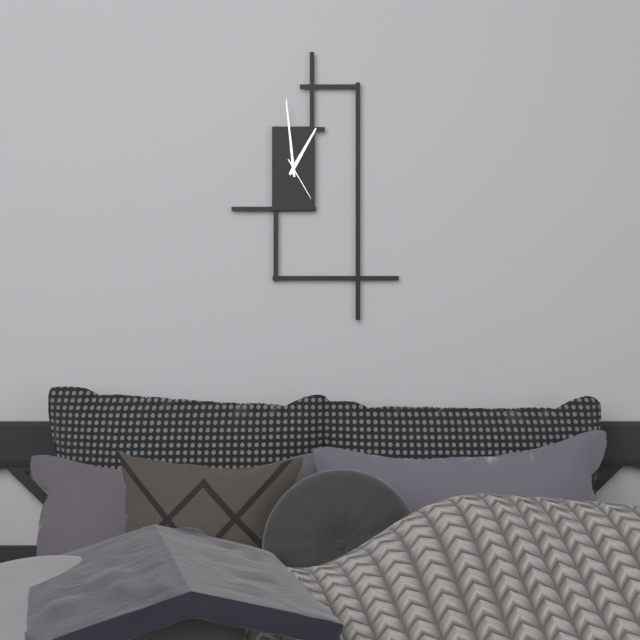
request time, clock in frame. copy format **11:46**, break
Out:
**12:59**
